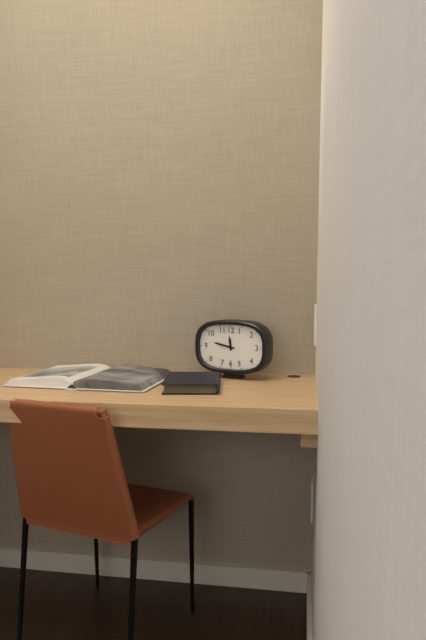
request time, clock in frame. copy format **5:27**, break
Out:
**11:47**
